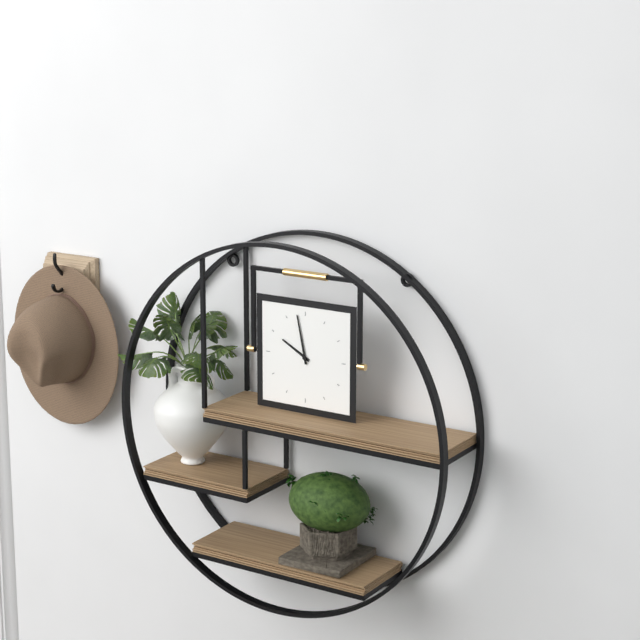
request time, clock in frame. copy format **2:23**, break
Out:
**9:58**
